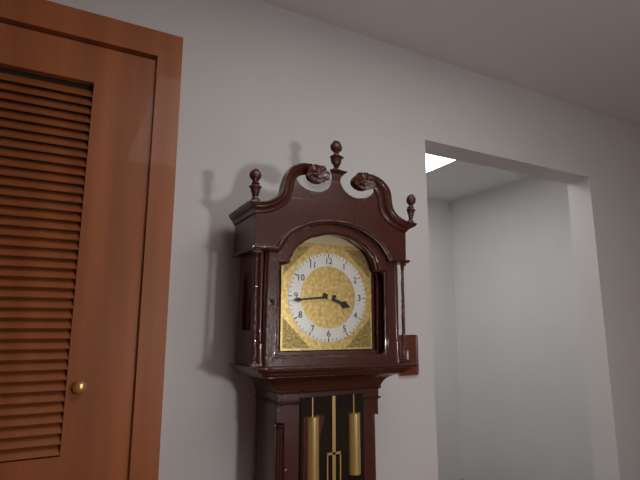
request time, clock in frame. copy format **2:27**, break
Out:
**3:44**
